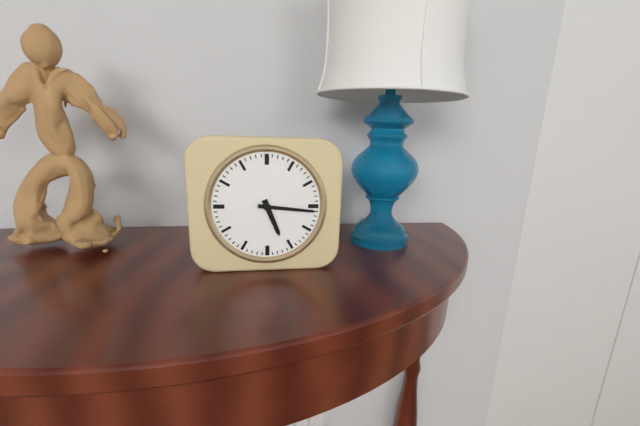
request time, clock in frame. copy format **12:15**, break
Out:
**5:16**
